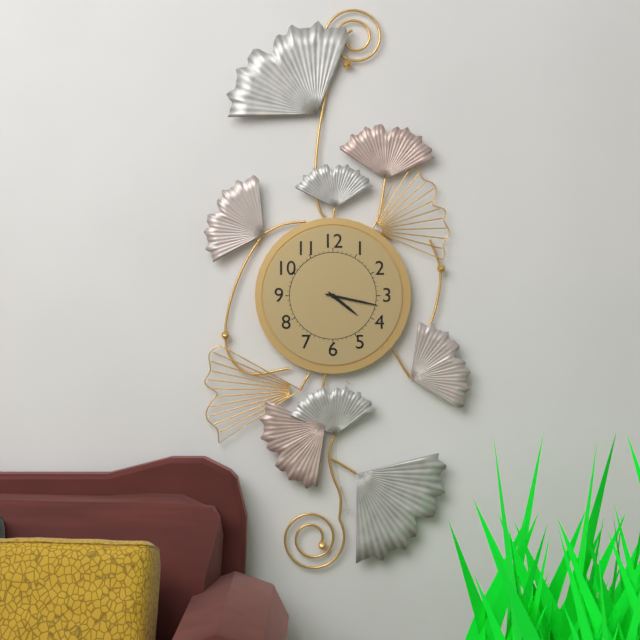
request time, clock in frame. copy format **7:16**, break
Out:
**4:17**
